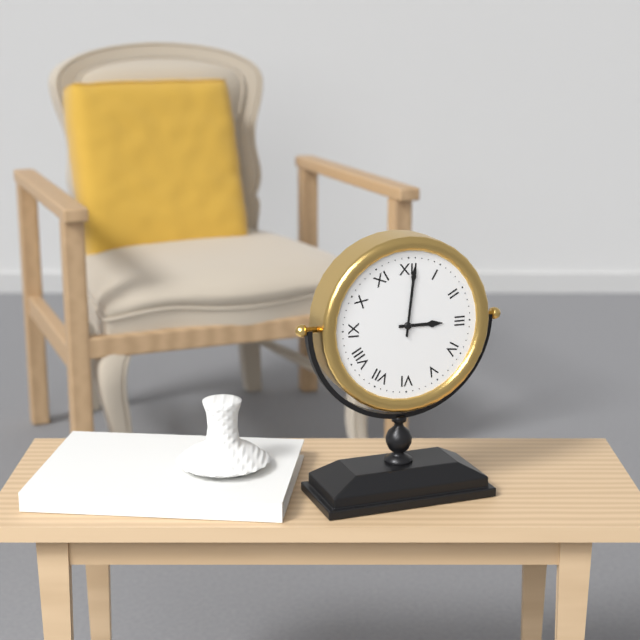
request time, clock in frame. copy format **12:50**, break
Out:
**3:01**
